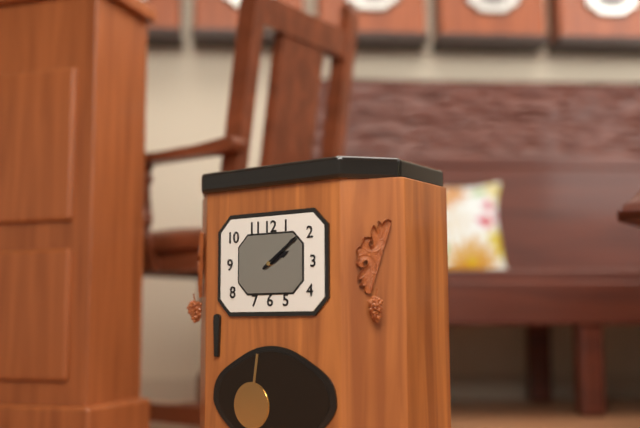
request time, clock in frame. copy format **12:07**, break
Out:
**2:09**
